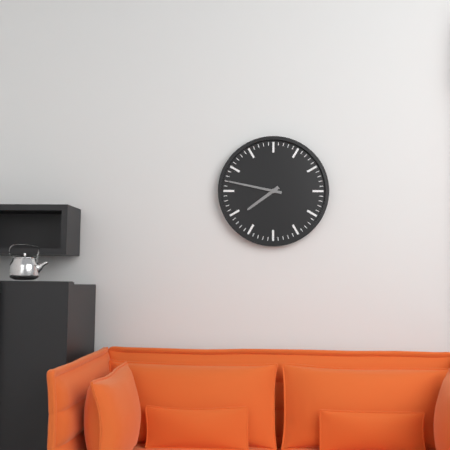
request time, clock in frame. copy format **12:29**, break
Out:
**7:47**
